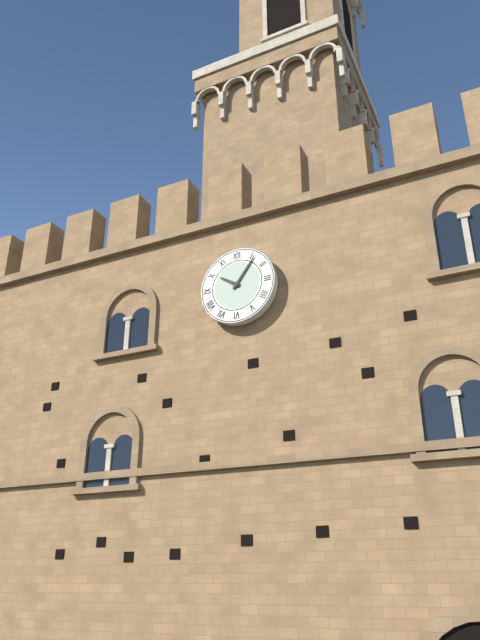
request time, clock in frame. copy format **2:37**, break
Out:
**10:06**
